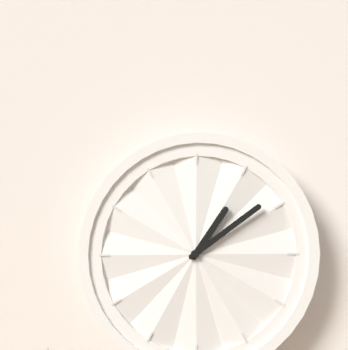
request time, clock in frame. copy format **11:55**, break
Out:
**1:09**
